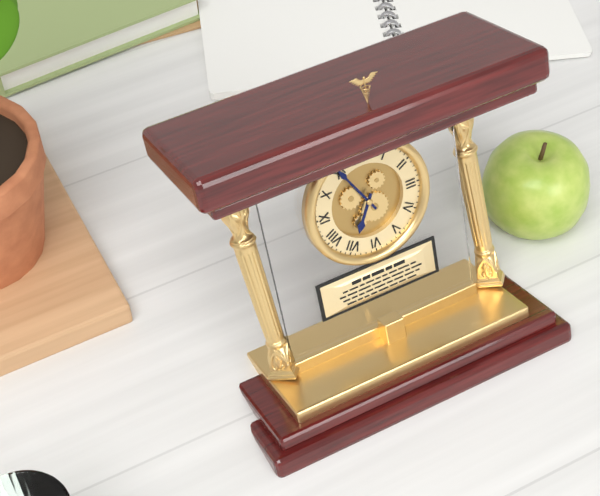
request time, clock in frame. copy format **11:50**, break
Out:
**6:55**
